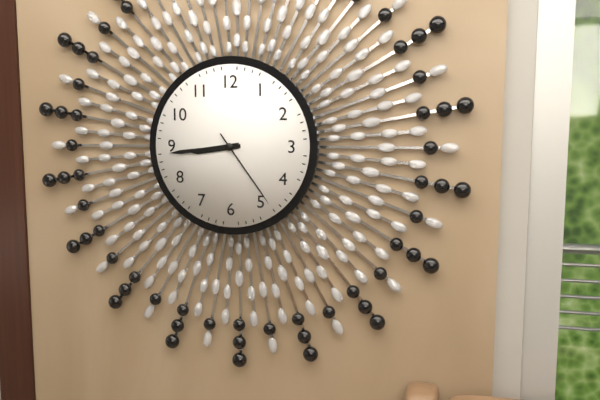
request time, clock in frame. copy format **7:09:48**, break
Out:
**8:44:24**
